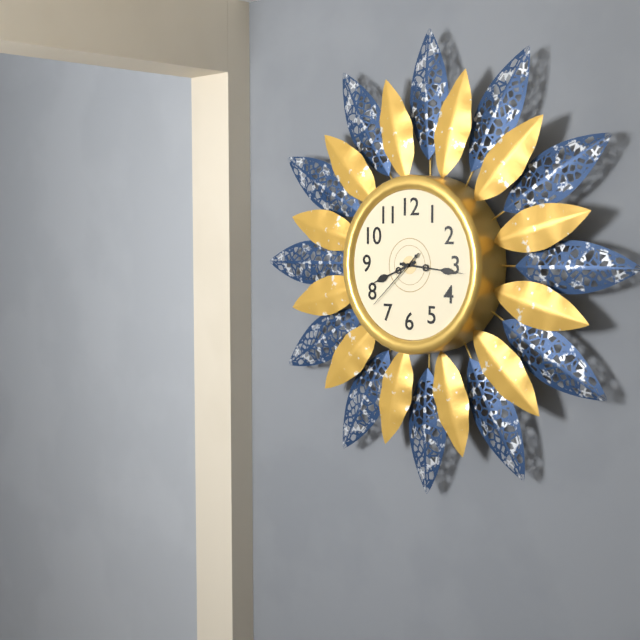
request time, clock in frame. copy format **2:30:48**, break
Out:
**8:16:38**
